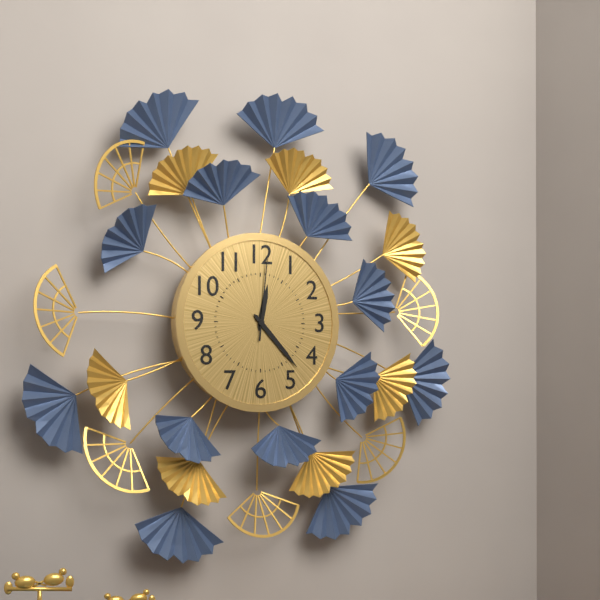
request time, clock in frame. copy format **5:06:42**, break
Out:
**12:23:01**
